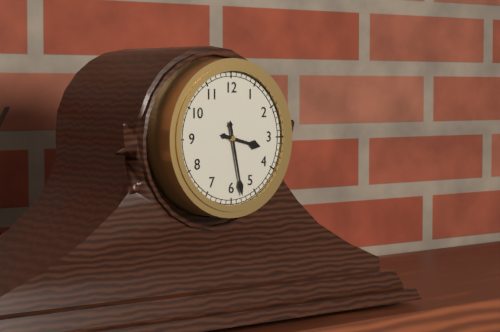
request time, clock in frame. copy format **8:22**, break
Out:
**3:28**
